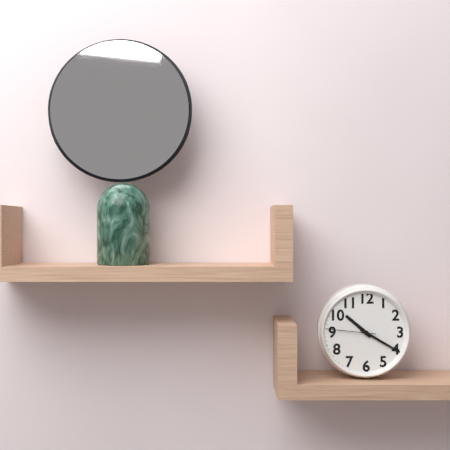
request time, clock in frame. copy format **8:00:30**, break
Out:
**10:20:46**
